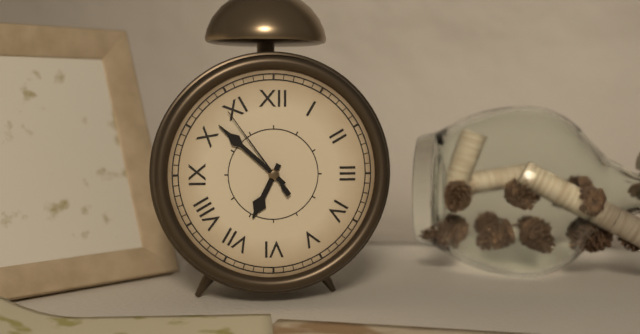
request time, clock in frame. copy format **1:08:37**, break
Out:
**6:52:54**
